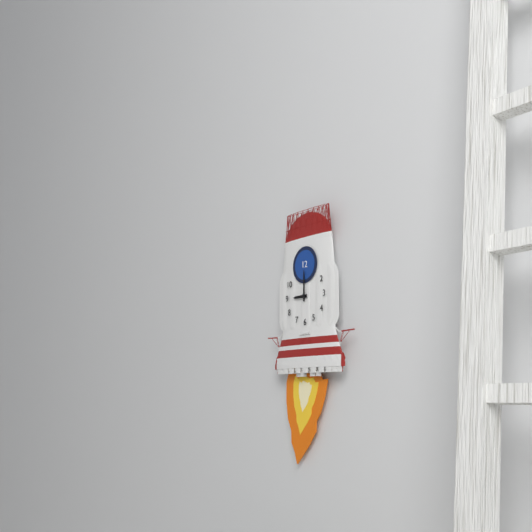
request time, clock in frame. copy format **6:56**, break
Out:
**9:00**
